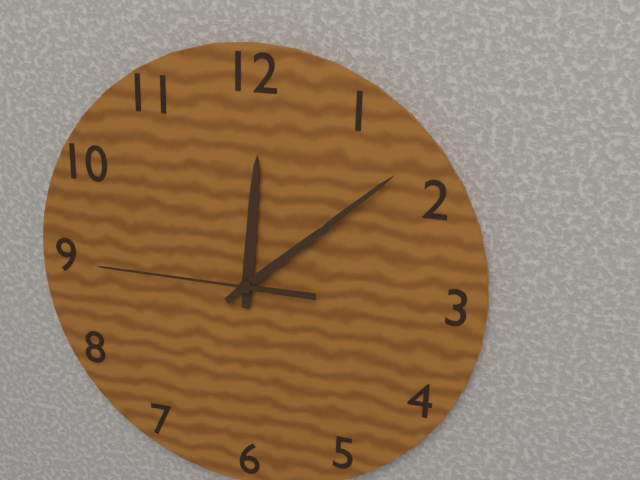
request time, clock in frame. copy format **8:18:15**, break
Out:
**12:08:45**
